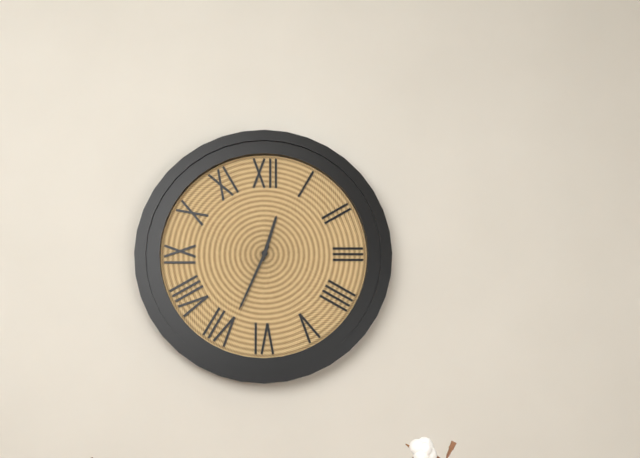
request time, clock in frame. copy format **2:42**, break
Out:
**12:34**
